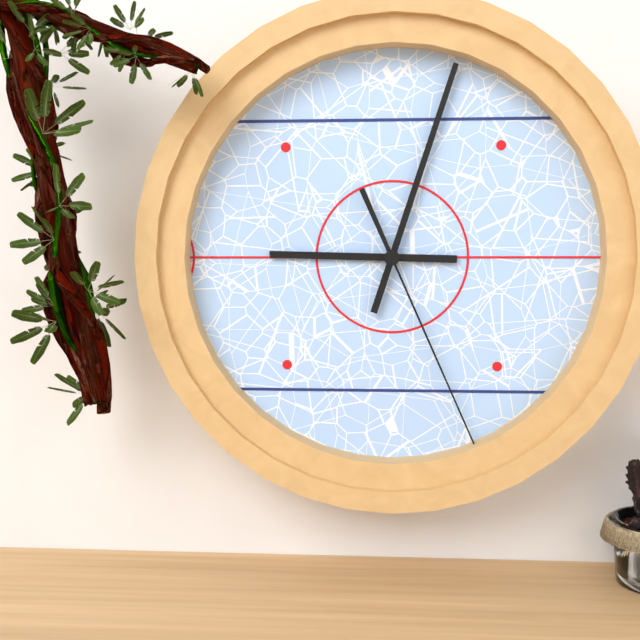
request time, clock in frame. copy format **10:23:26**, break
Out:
**9:03:26**
